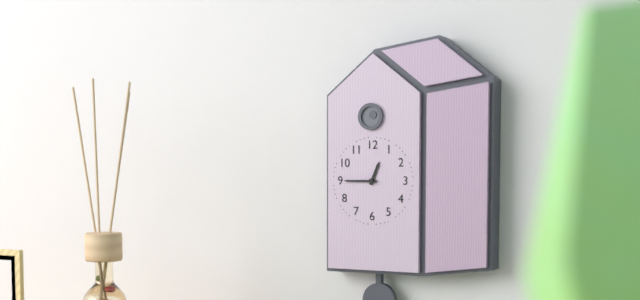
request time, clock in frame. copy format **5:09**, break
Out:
**12:45**
